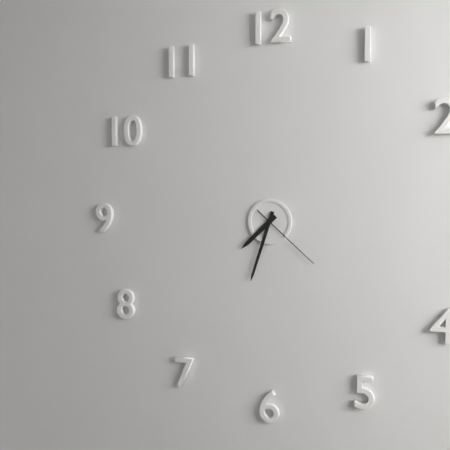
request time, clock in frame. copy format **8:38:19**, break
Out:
**7:33:22**
